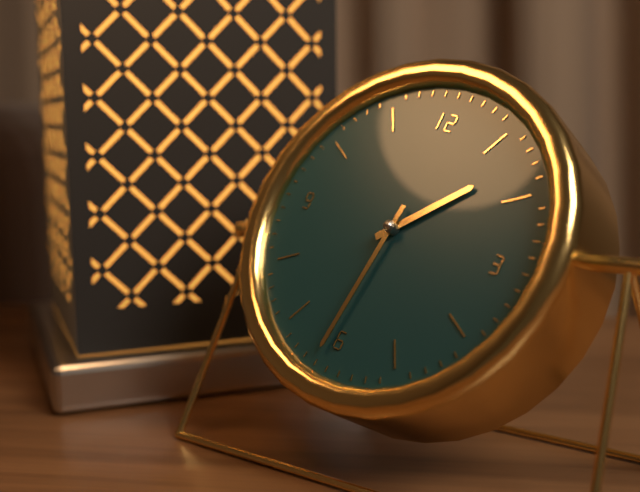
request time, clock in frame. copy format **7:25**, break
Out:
**1:31**
